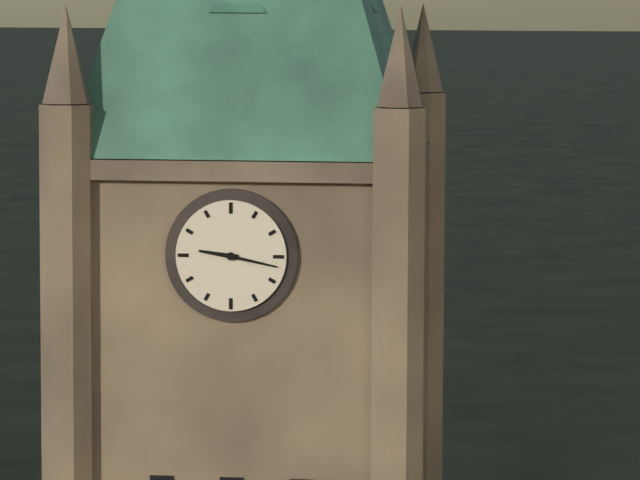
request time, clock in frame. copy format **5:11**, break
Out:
**9:17**
